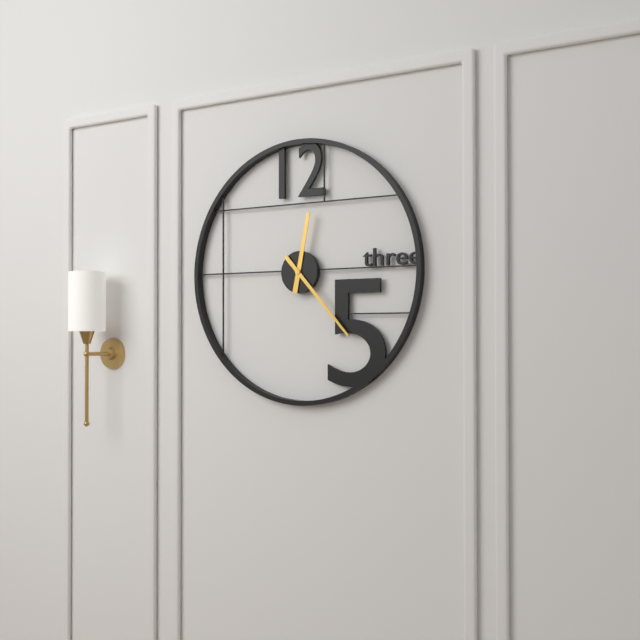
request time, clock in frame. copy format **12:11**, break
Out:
**12:23**
